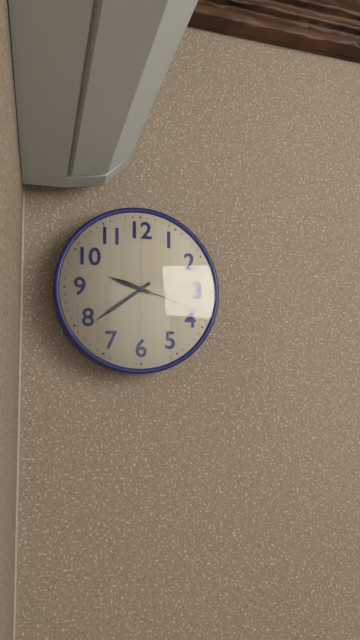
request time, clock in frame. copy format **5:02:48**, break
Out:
**9:39:18**
